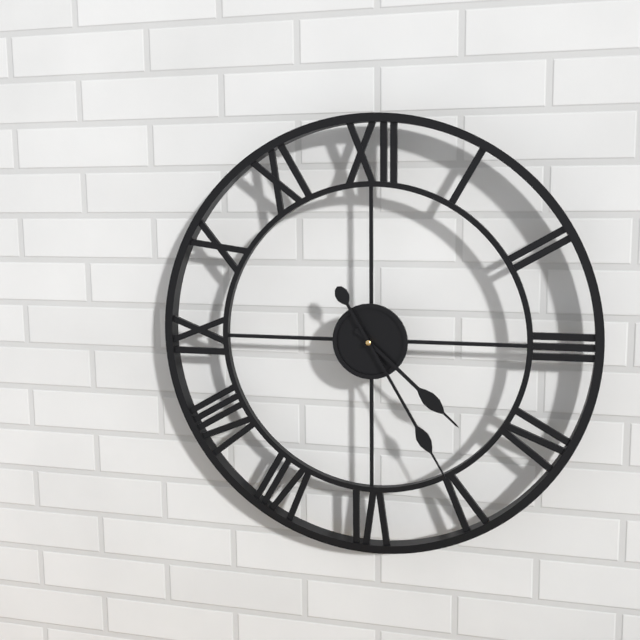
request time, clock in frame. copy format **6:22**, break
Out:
**4:25**
